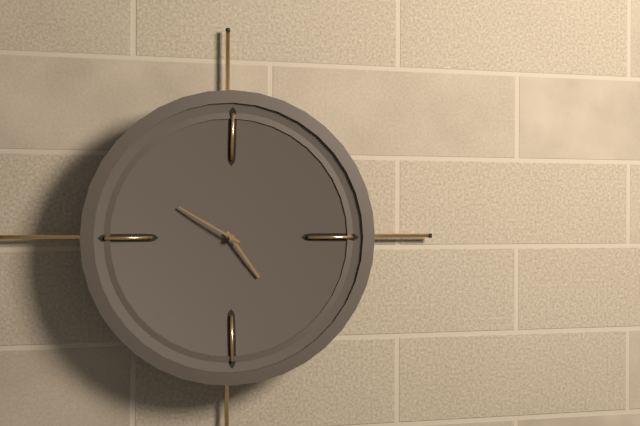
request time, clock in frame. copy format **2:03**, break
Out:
**4:50**
